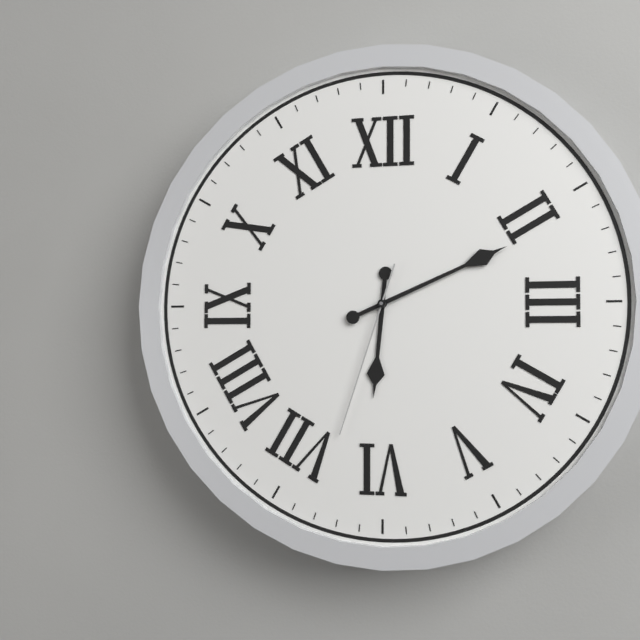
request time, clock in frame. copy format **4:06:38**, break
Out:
**6:11:33**
